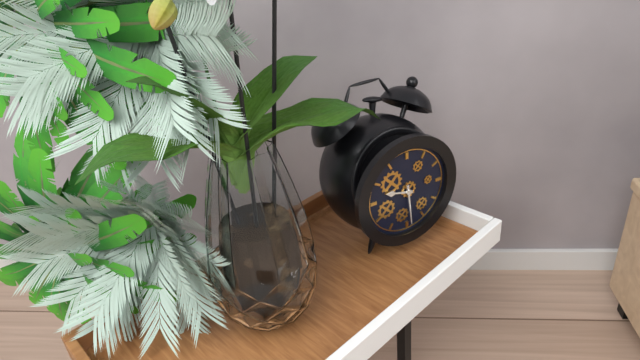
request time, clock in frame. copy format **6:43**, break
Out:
**9:29**
